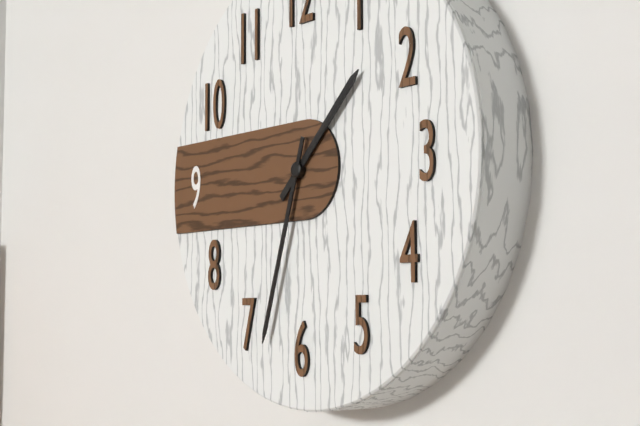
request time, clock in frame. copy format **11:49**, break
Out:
**1:33**
